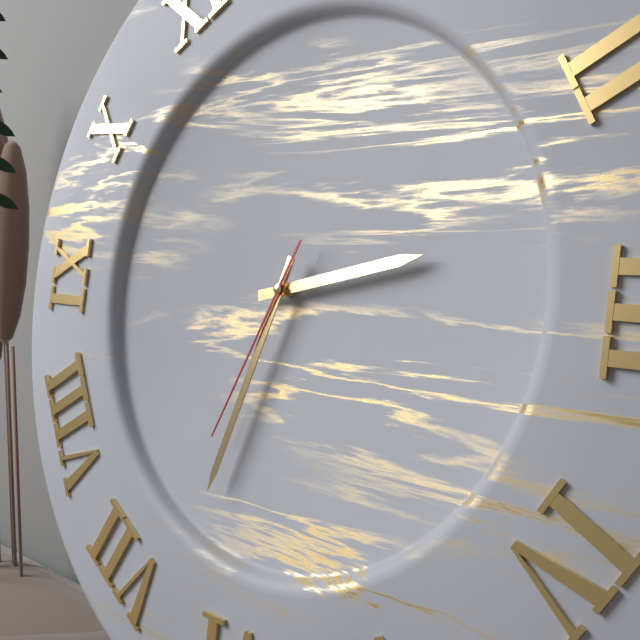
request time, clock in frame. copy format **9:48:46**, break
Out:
**2:33:34**
